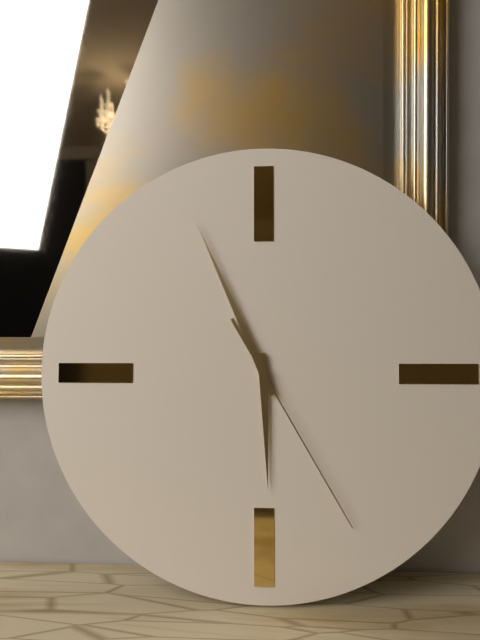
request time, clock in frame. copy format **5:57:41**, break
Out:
**5:56:25**
